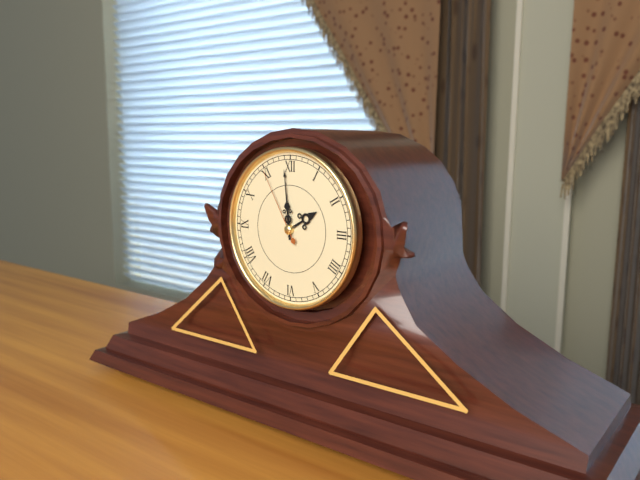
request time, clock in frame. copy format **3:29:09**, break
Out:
**1:59:55**
